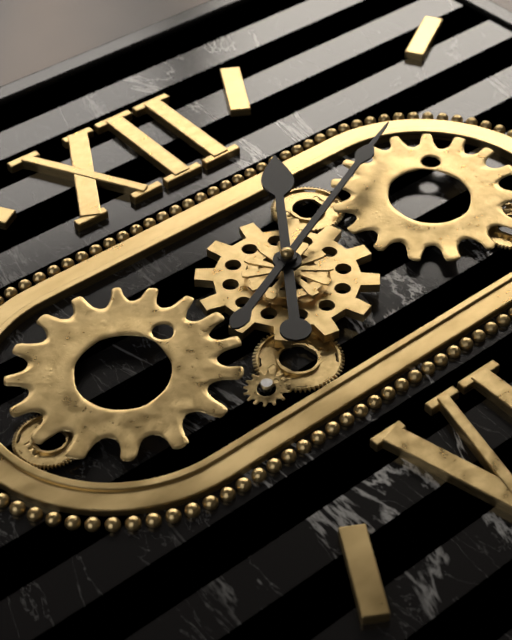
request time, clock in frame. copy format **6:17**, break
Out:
**1:11**
